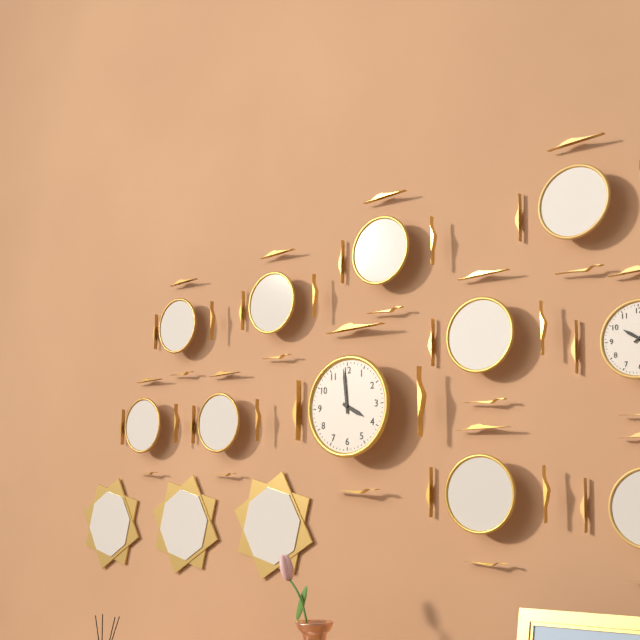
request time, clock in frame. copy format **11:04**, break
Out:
**3:59**
